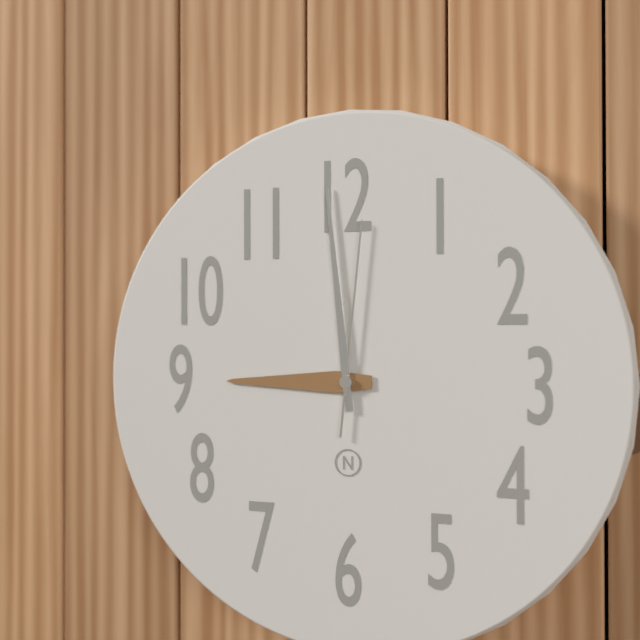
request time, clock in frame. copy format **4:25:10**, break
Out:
**8:59:01**
